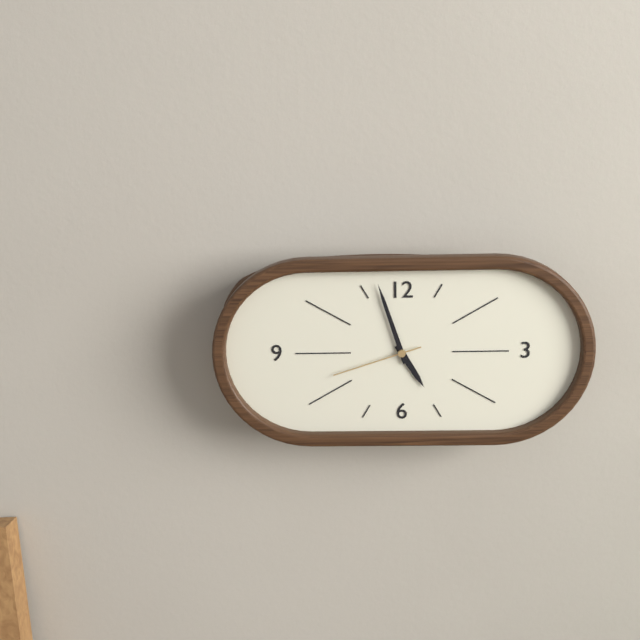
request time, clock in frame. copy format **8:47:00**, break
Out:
**4:57:42**
